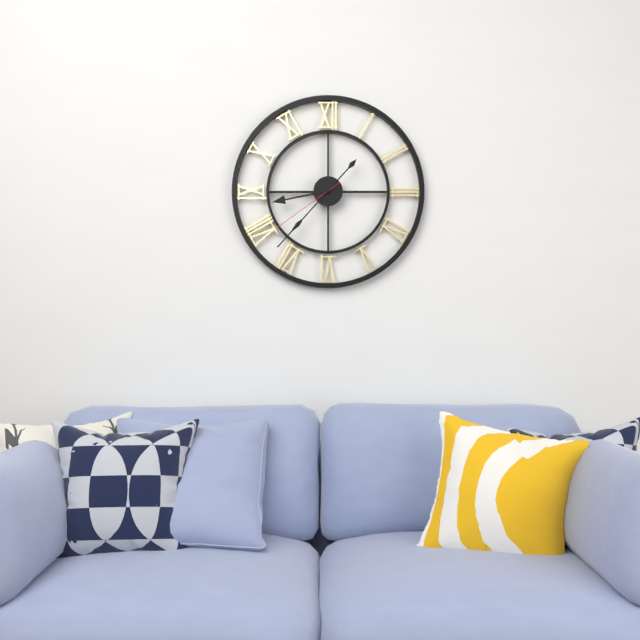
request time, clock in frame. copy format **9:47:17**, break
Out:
**8:37:39**
